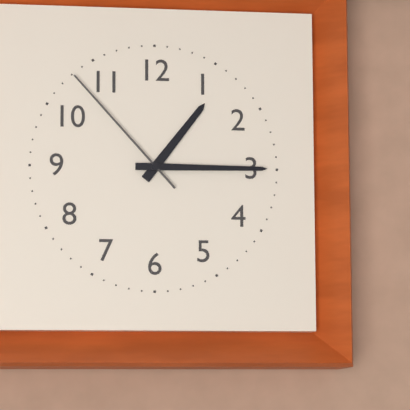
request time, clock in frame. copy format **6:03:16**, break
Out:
**1:15:53**
